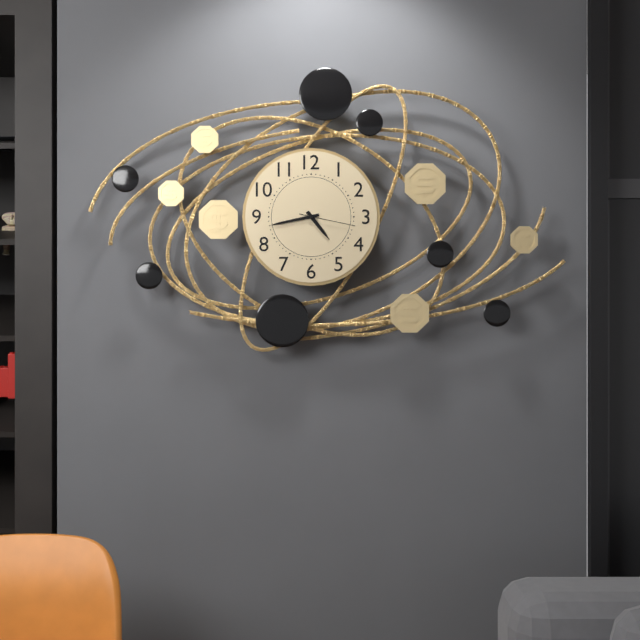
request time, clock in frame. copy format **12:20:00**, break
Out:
**4:43:17**
